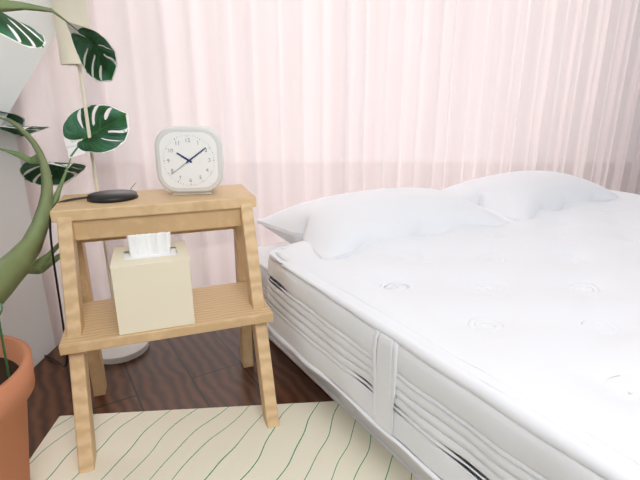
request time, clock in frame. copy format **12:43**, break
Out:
**10:09**
